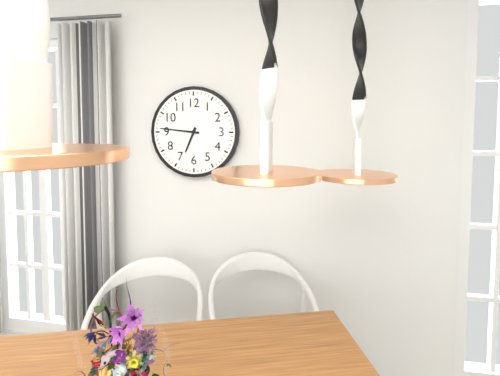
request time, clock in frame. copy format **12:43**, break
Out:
**6:46**
